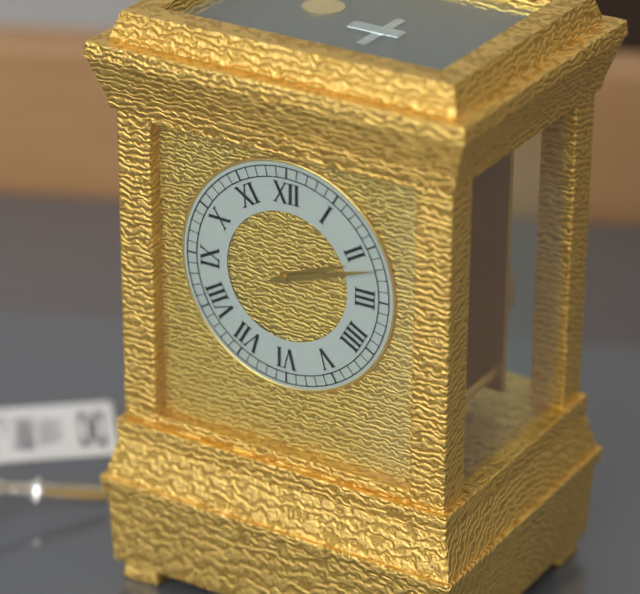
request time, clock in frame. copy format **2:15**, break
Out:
**2:12**
